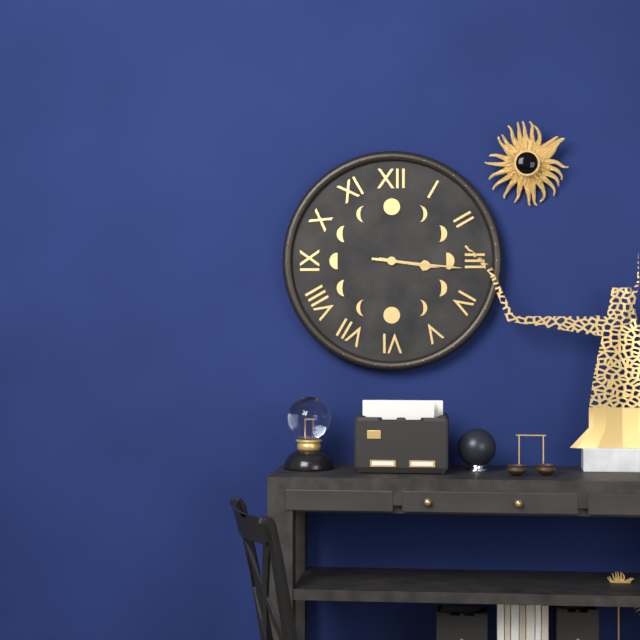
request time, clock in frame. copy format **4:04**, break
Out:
**3:16**
